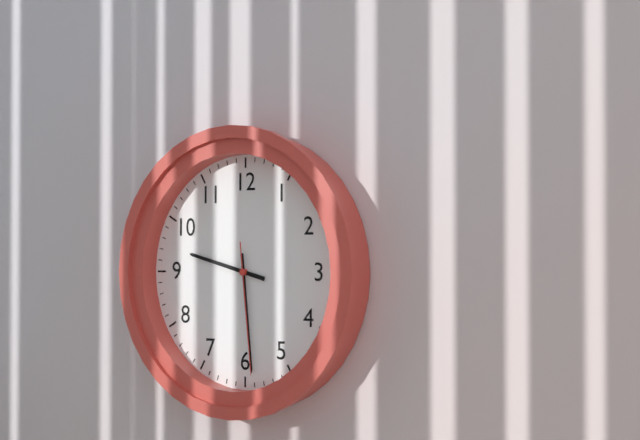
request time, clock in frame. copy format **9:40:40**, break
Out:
**9:29:29**
